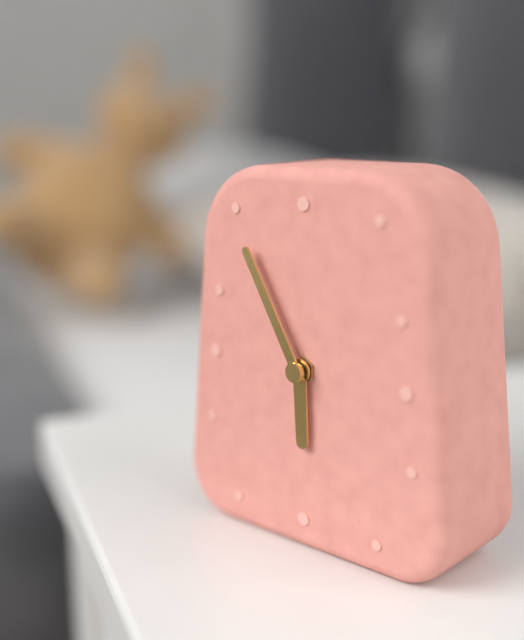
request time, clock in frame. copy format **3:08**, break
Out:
**5:55**
